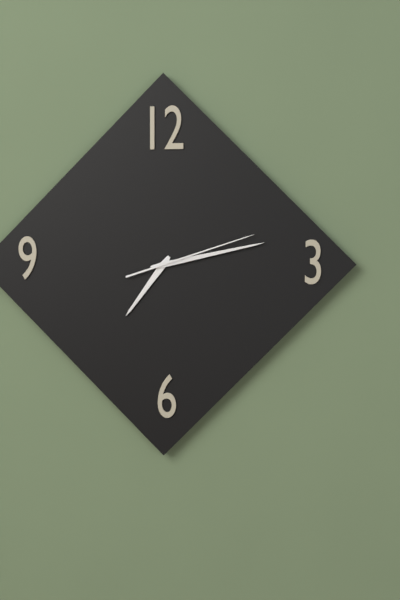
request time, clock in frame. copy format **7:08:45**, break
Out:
**7:13:12**
